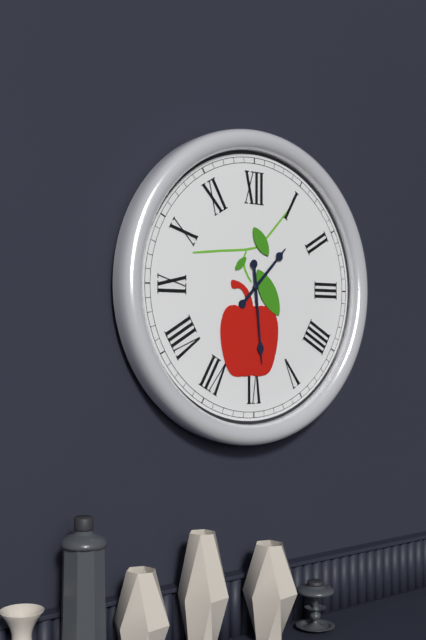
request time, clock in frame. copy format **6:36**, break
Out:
**1:29**
